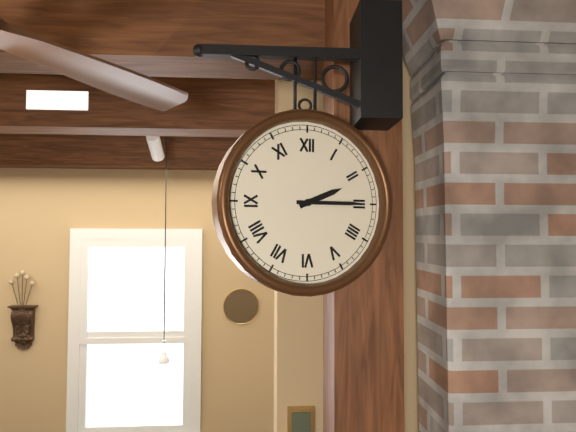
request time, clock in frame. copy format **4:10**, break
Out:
**2:15**
